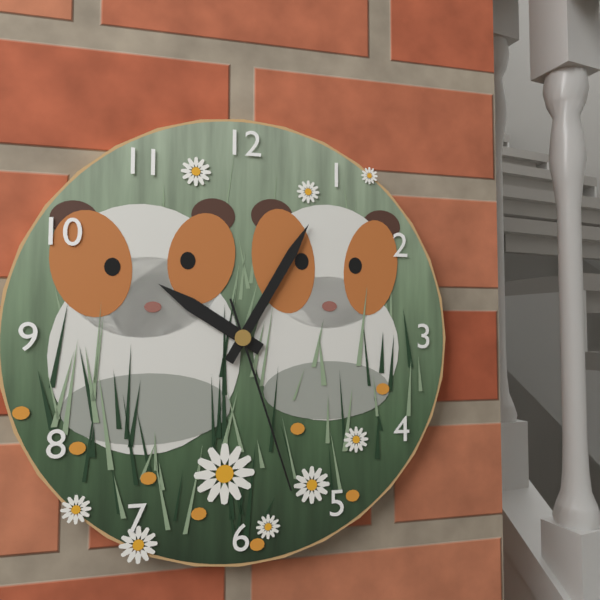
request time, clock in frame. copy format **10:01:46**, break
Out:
**10:05:27**
